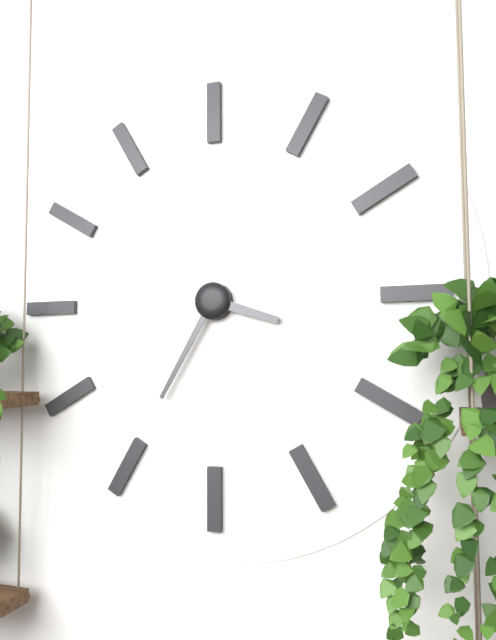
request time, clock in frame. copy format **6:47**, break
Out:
**3:35**
